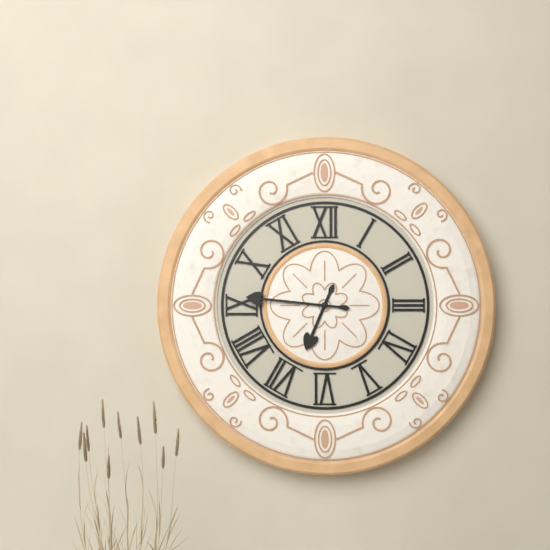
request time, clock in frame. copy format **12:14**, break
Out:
**6:46**
